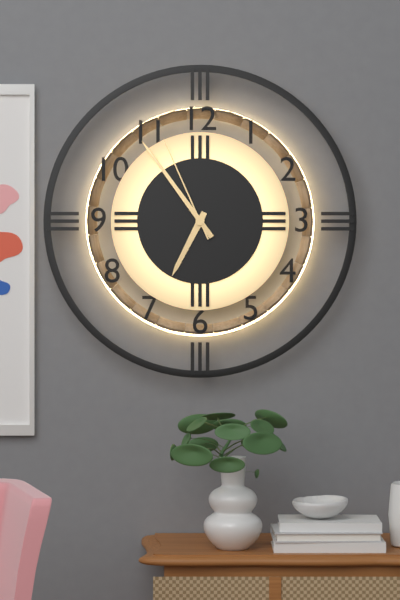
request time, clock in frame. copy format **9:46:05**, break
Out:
**6:54:56**
